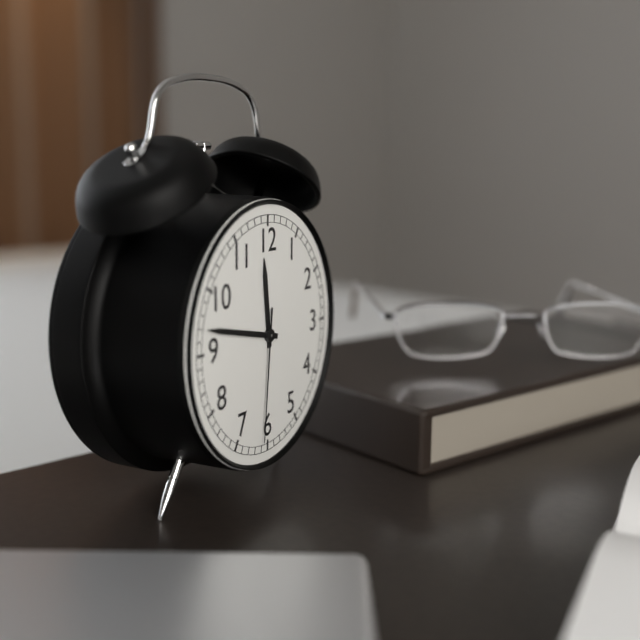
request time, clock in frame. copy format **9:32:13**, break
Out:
**11:47:31**
